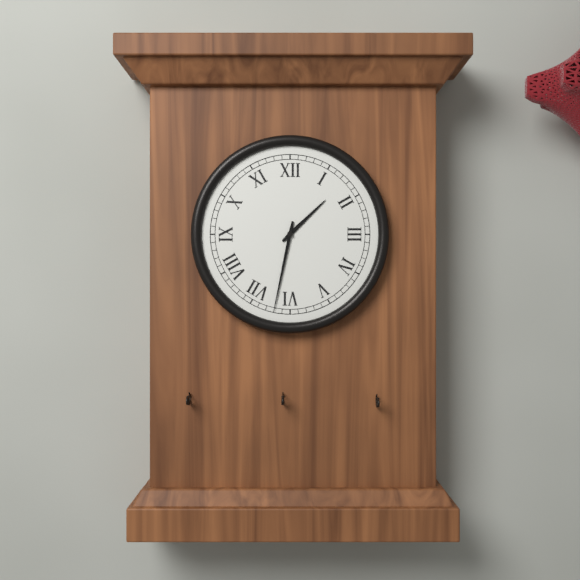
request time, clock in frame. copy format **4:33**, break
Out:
**1:32**
